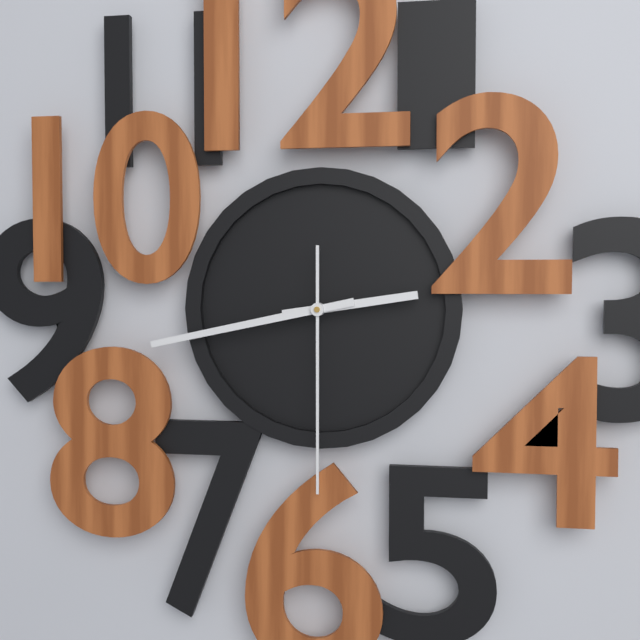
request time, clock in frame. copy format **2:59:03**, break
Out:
**2:43:30**
